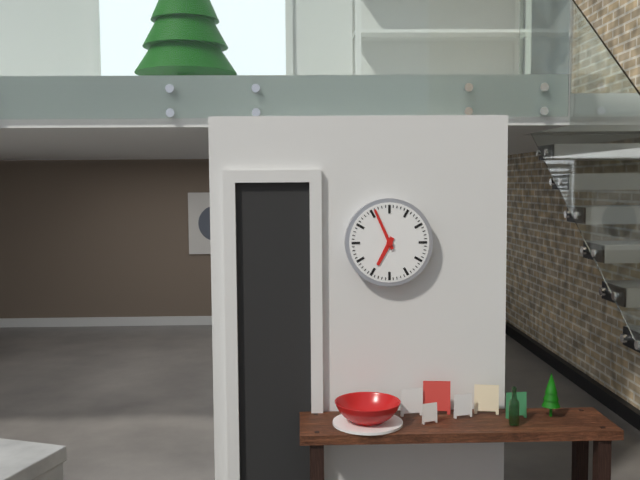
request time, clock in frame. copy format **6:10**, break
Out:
**6:56**
